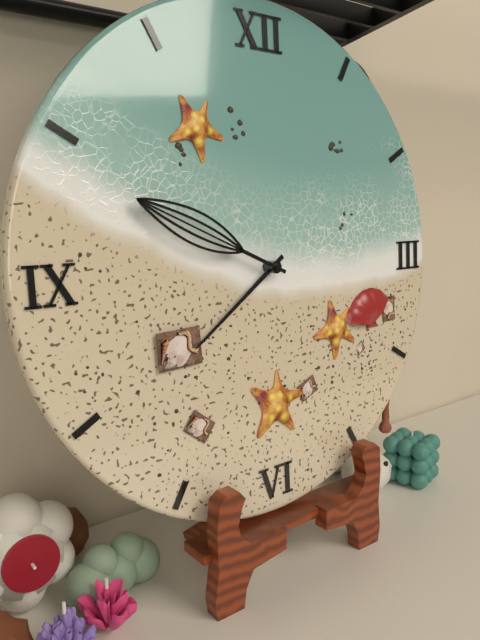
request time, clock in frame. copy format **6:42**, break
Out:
**7:49**
